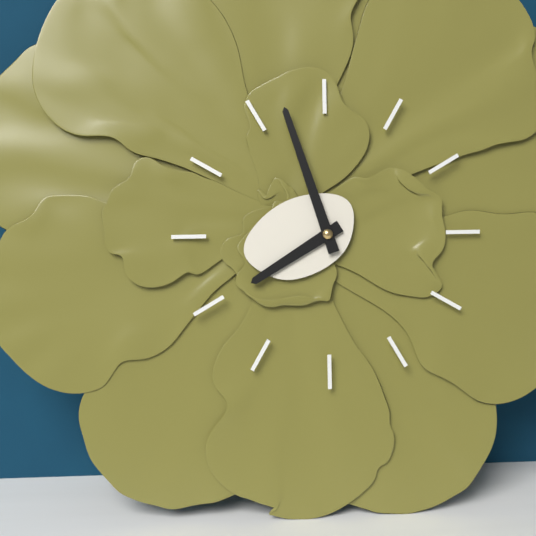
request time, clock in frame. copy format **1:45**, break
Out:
**7:57**
